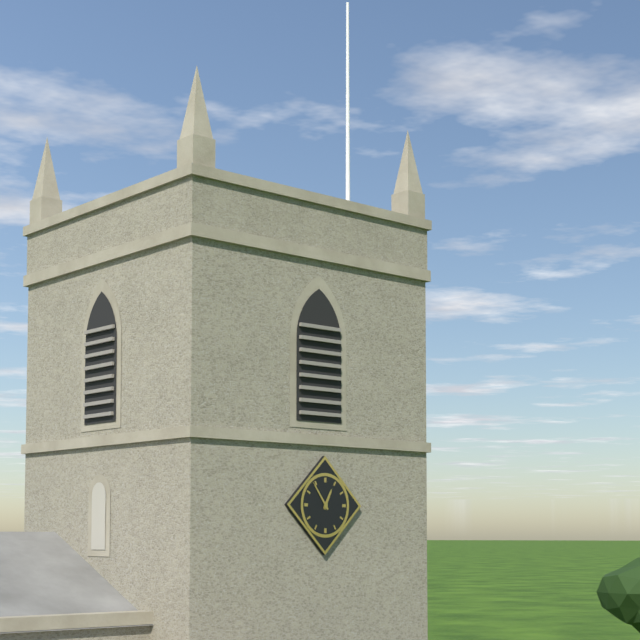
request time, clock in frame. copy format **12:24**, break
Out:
**12:54**
